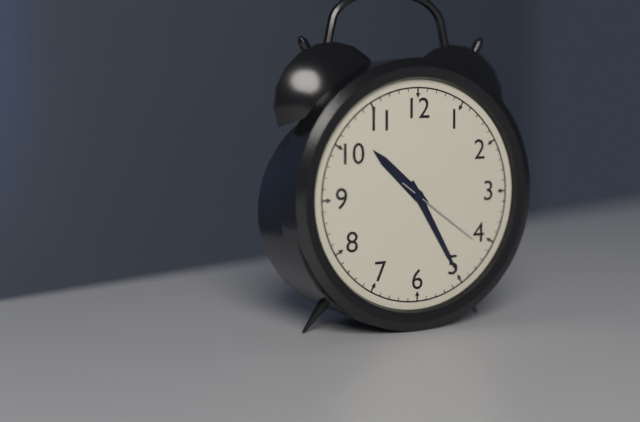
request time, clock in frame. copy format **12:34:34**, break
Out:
**10:25:21**
